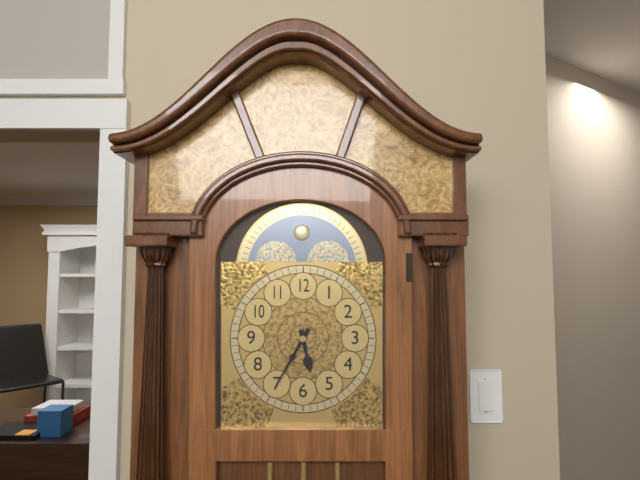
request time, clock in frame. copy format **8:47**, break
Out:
**5:35**
